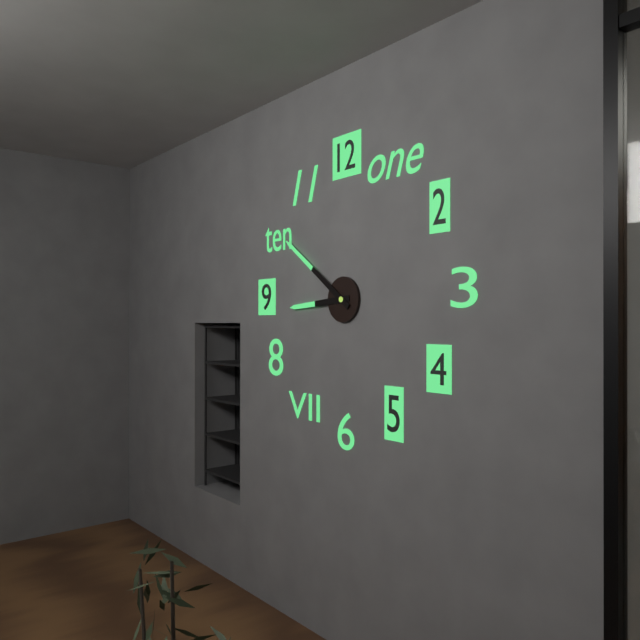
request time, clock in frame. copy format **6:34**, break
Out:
**8:51**
